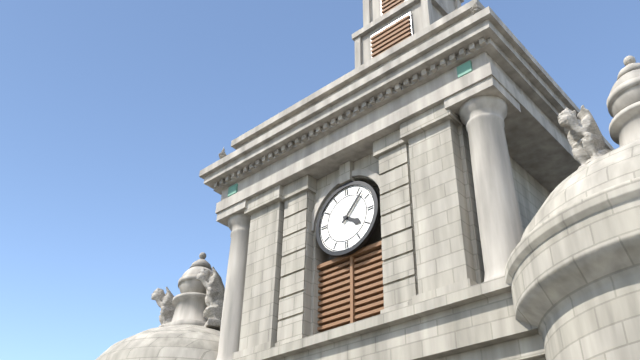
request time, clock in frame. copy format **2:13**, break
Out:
**4:07**
